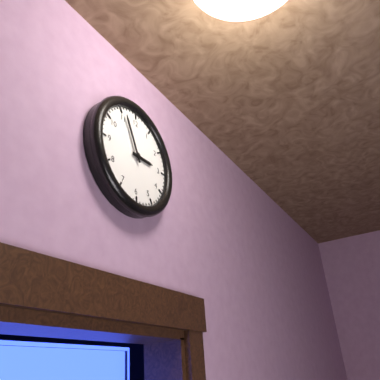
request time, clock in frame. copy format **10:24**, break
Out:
**2:56**
